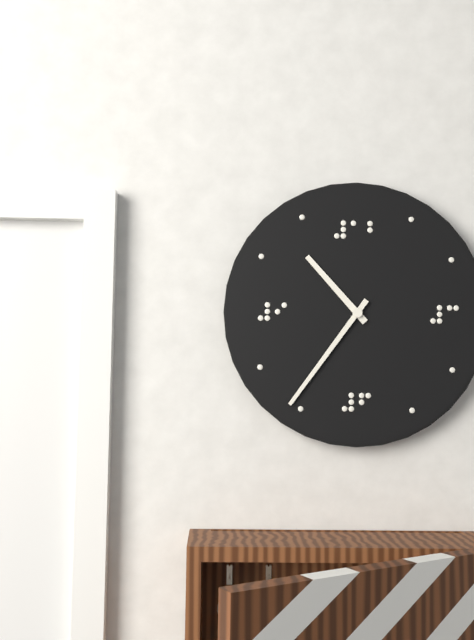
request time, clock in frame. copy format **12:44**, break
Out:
**10:36**
